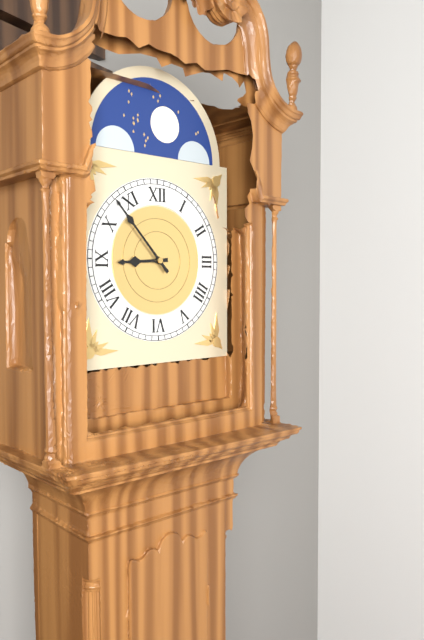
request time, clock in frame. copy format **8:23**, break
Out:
**8:53**
